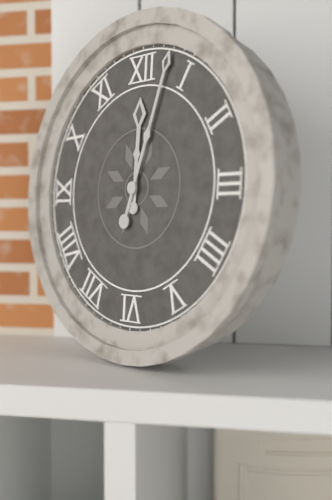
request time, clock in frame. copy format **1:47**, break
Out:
**12:03**
